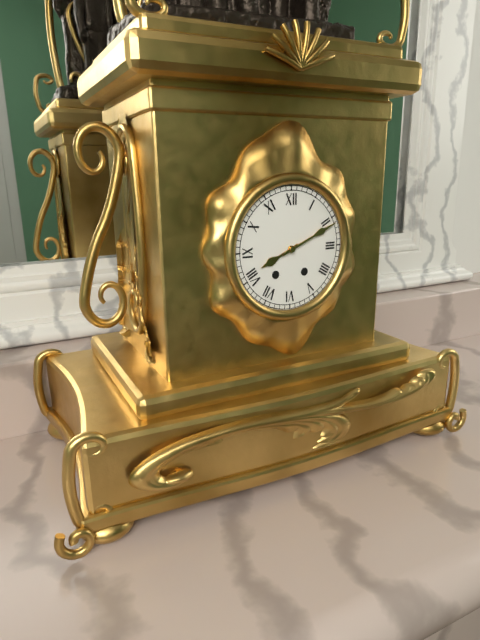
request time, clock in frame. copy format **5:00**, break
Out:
**8:11**
